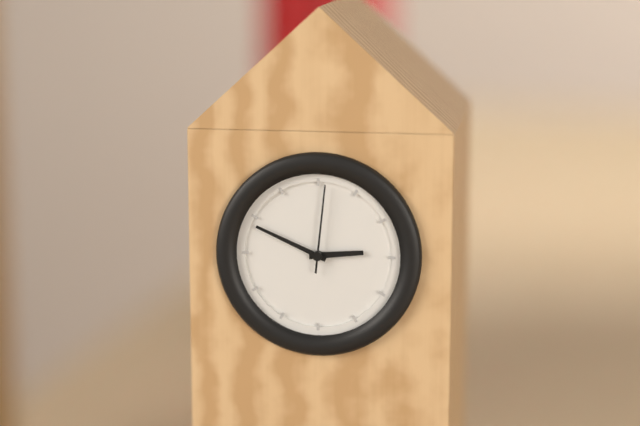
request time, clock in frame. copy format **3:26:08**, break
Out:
**2:49:01**
